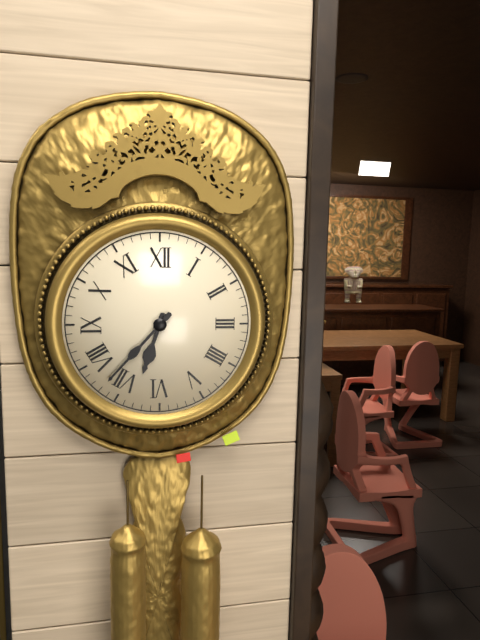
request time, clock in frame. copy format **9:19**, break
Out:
**6:37**
